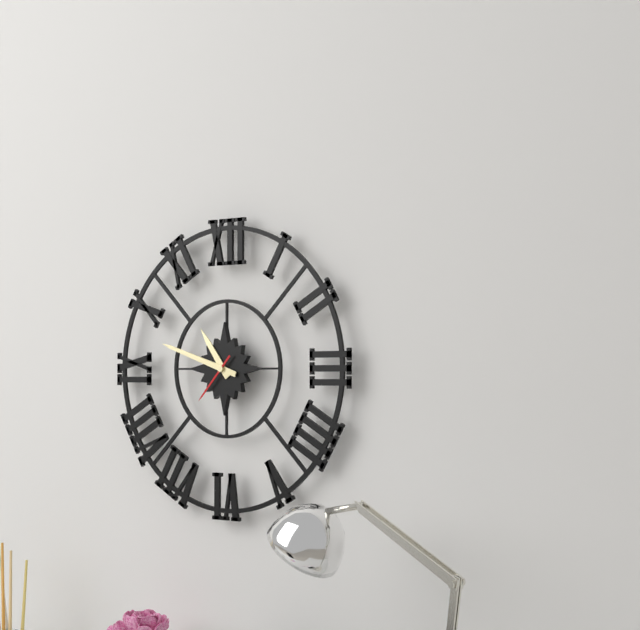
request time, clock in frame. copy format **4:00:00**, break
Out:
**10:48:37**
